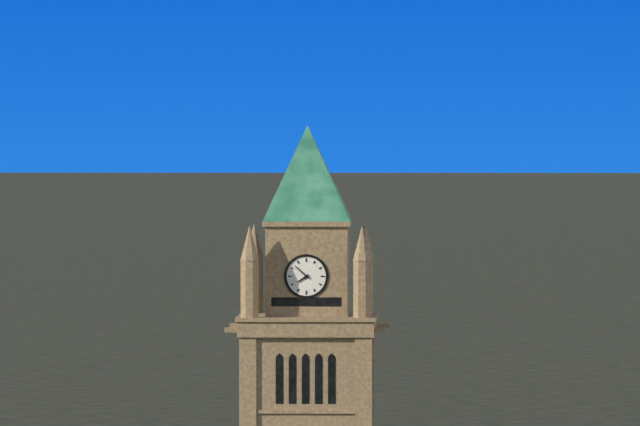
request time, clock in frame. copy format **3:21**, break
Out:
**7:52**
